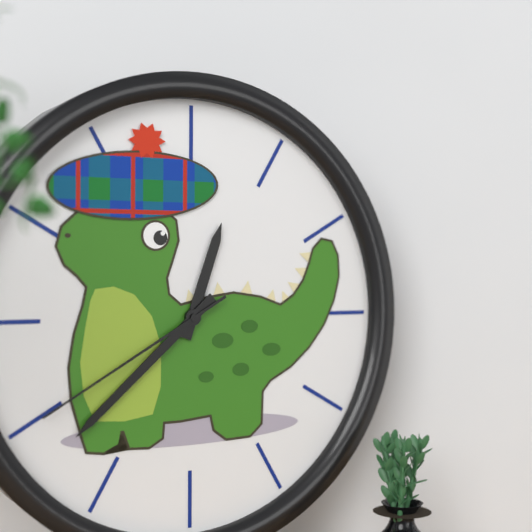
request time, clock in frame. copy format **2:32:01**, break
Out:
**12:38:40**
